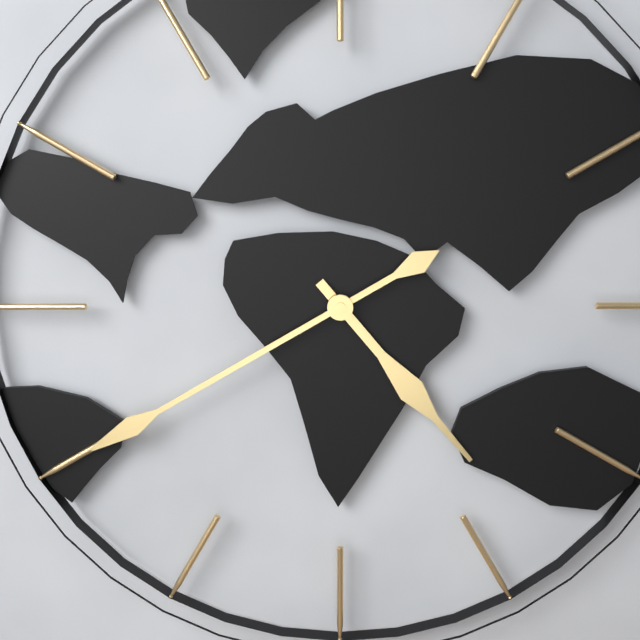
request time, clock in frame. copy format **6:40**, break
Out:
**4:40**
